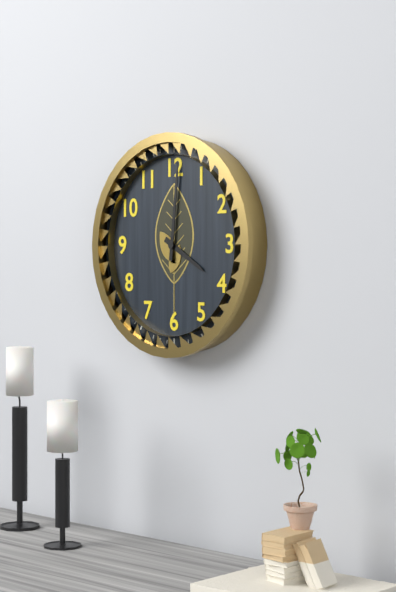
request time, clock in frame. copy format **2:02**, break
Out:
**4:01**
